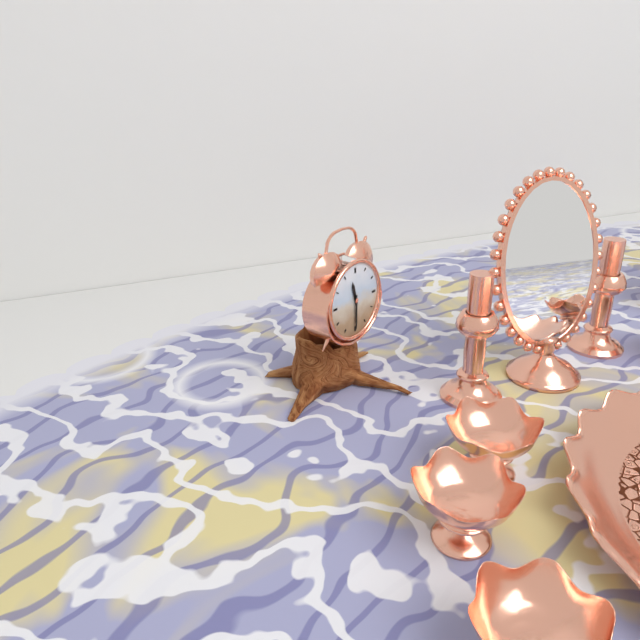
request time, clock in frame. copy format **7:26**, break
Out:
**11:30**
